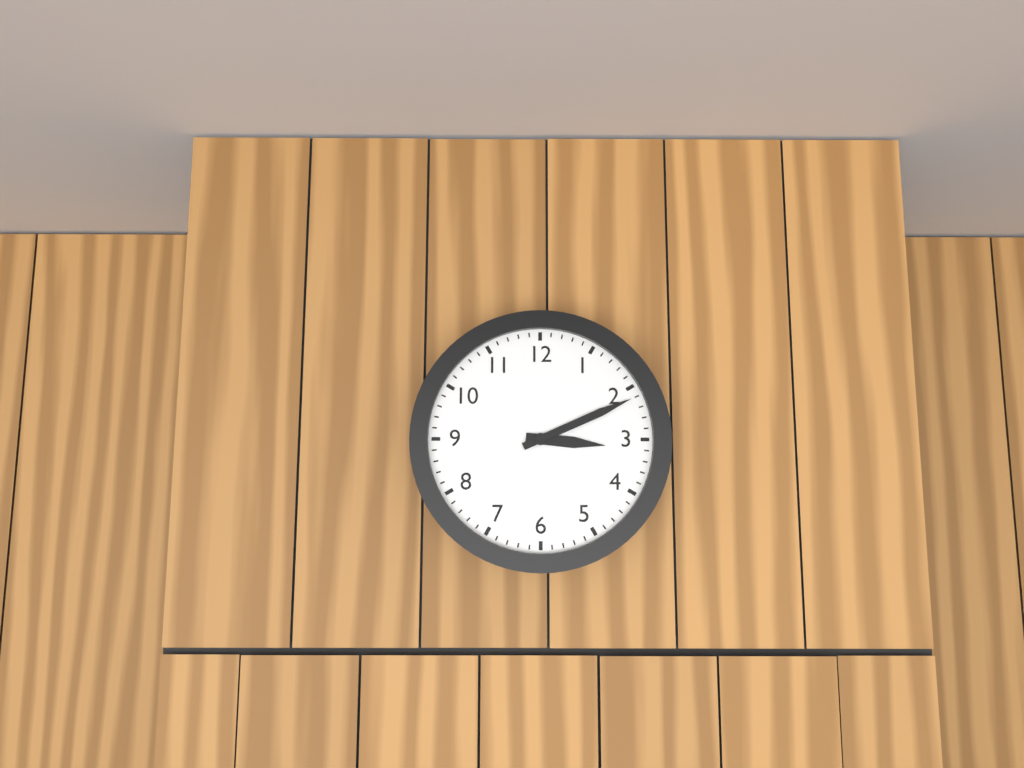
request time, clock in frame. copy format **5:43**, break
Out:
**3:11**
